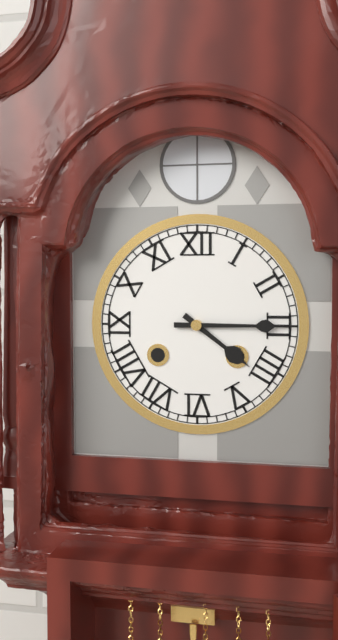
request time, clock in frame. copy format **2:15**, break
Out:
**4:15**
